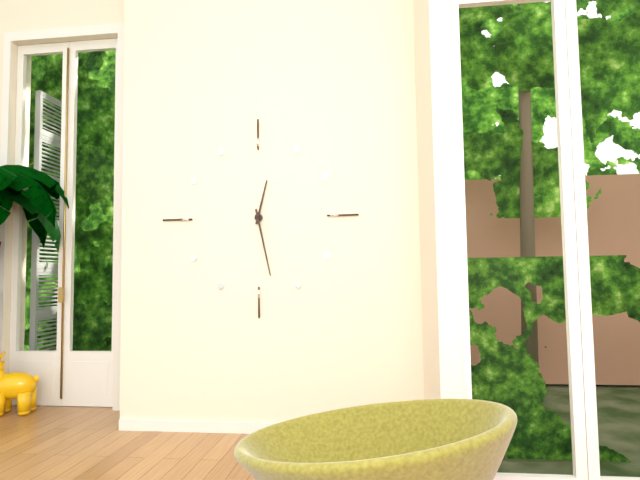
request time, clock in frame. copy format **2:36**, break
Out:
**12:28**
